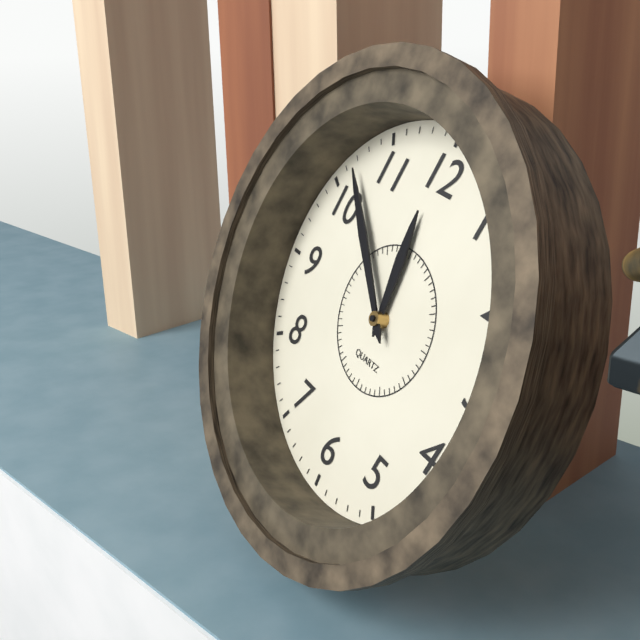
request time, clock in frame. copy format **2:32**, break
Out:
**11:52**
